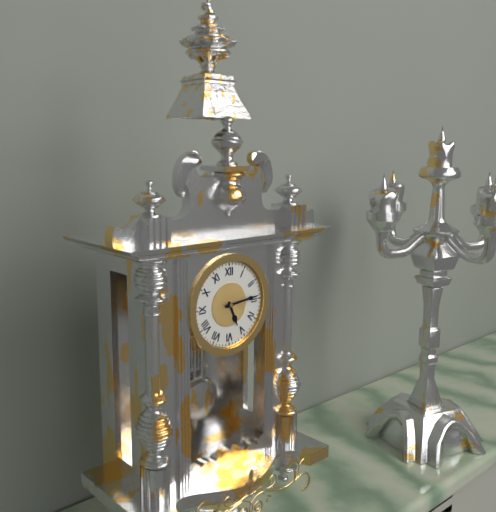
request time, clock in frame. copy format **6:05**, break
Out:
**5:14**
